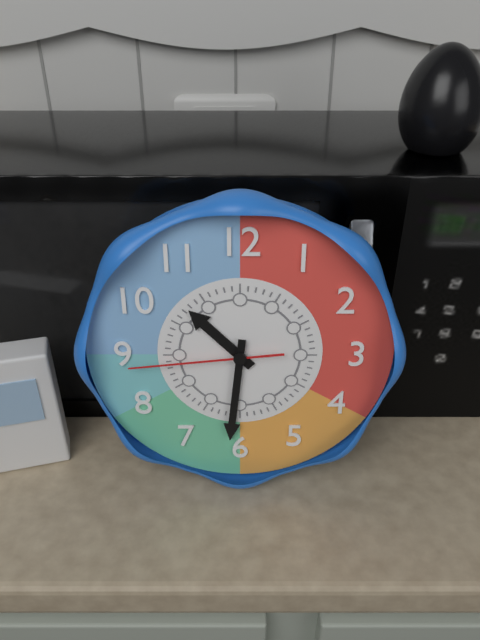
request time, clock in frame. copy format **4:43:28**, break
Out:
**10:31:44**
